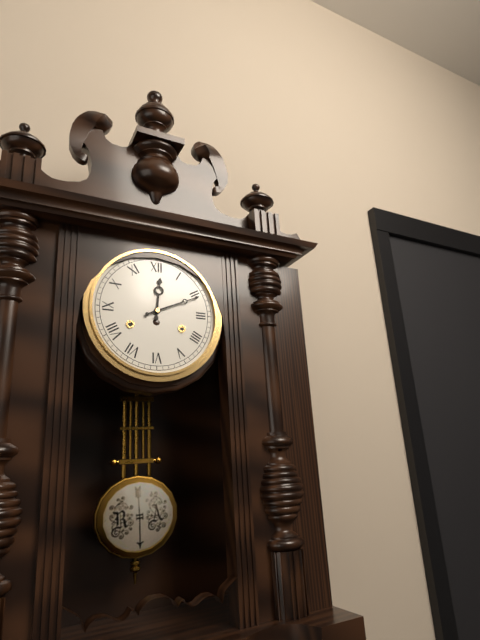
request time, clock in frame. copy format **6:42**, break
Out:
**12:11**
